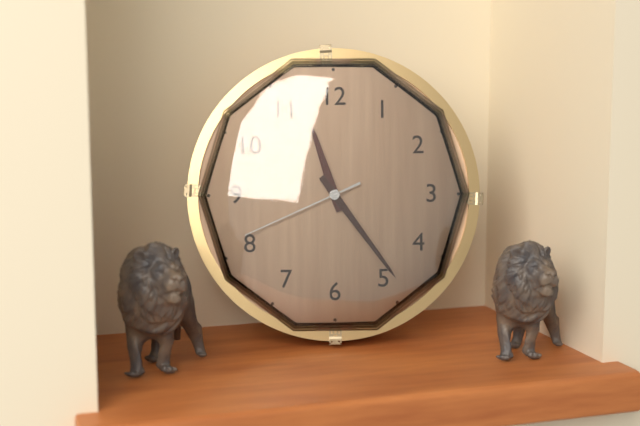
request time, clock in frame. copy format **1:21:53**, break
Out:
**11:24:41**
